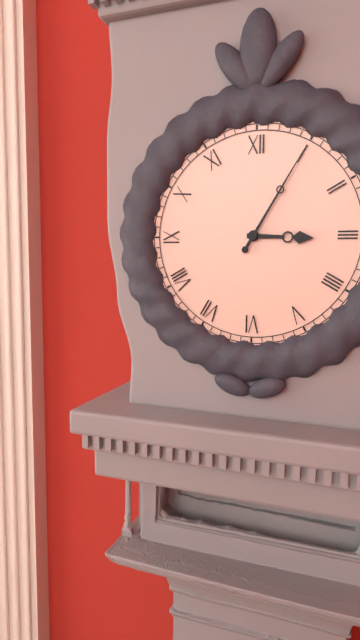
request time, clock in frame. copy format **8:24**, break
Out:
**3:05**
